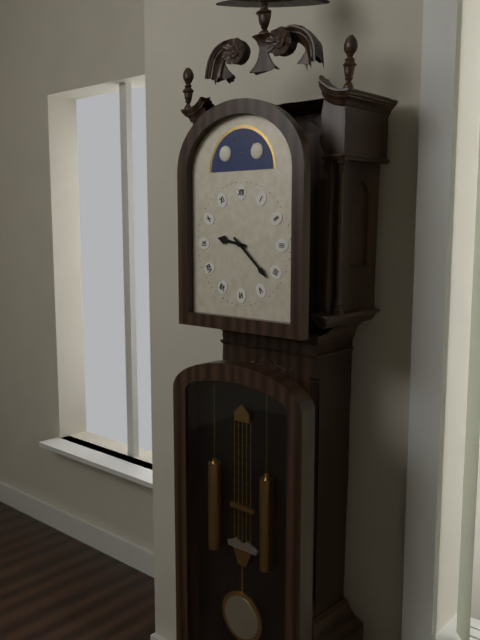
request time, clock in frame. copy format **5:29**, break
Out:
**9:22**
